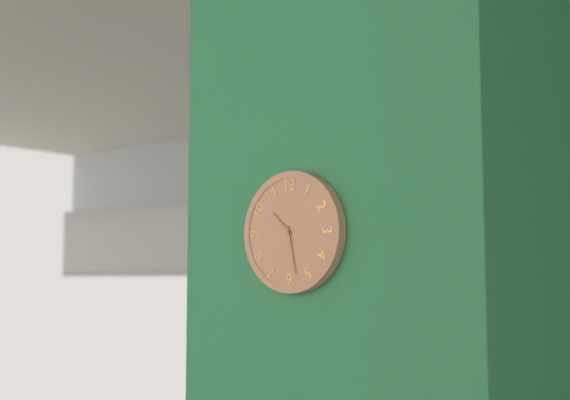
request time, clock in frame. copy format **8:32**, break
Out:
**10:28**
